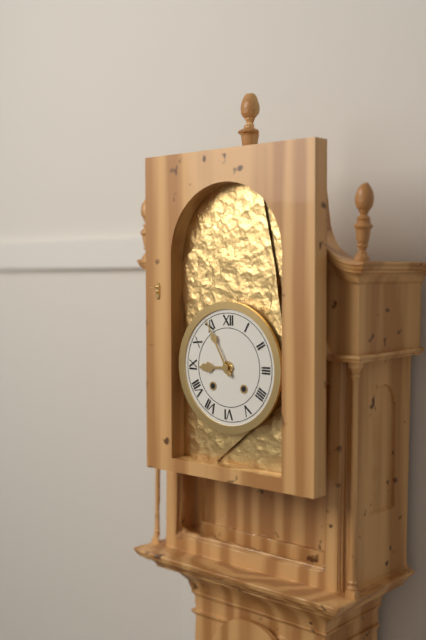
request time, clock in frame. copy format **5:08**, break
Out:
**8:55**
